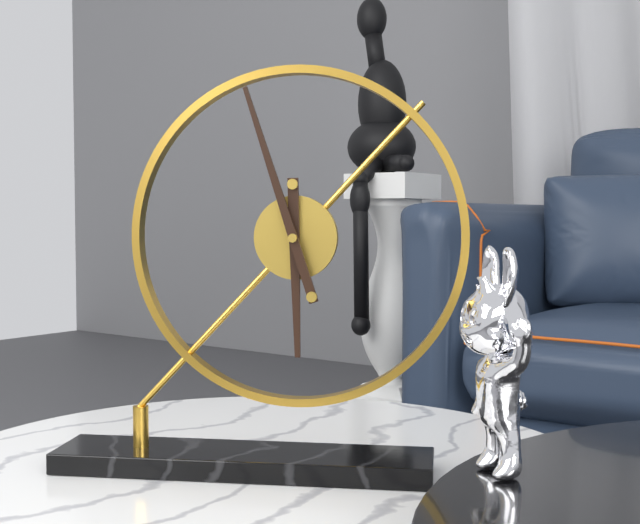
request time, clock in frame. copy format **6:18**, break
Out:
**5:57**
